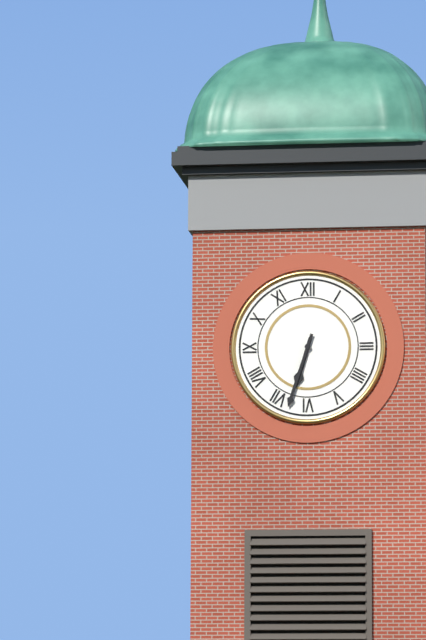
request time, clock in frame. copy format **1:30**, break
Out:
**6:33**
